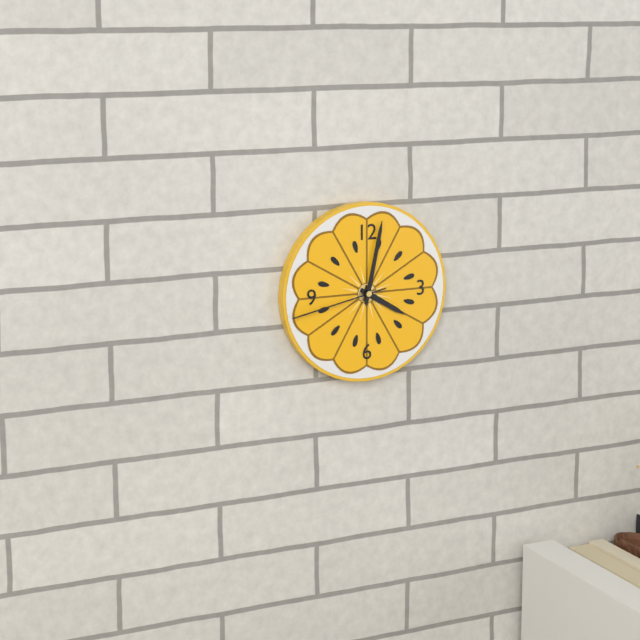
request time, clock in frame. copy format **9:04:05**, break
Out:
**4:02:43**
